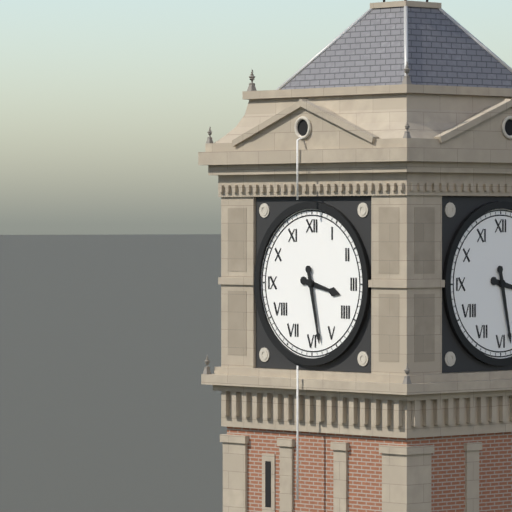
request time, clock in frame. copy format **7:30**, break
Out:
**3:28**
